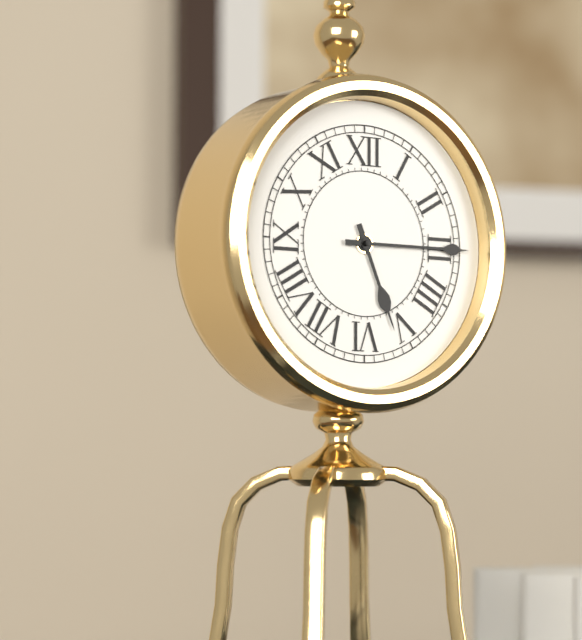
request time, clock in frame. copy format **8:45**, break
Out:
**5:15**
